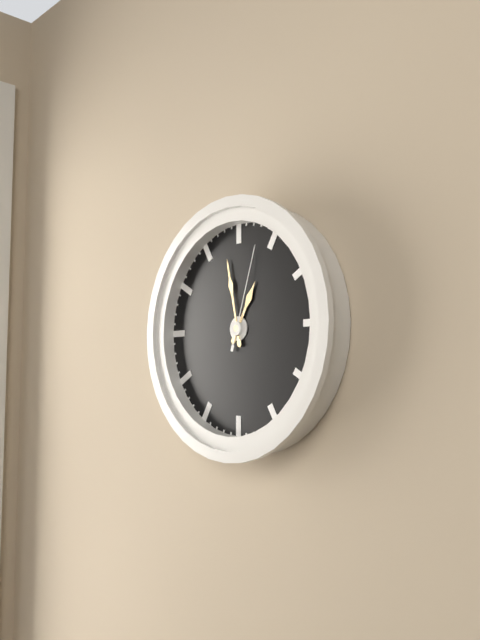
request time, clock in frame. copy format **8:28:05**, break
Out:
**12:58:03**
